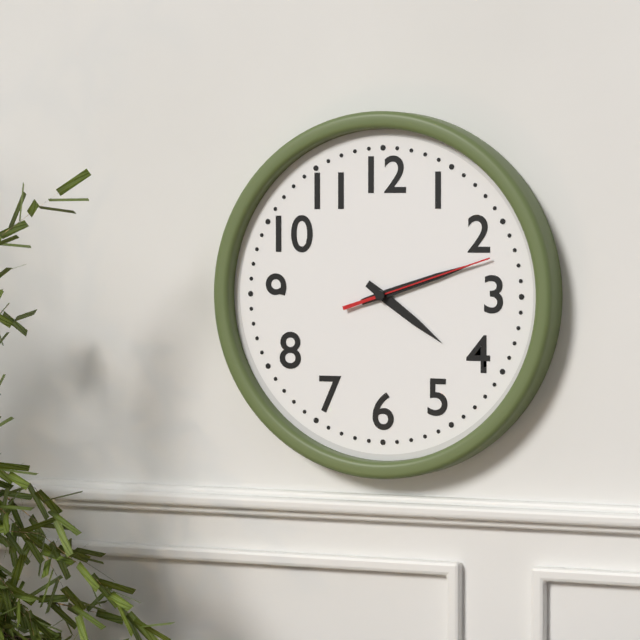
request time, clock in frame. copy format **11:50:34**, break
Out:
**4:12:12**
